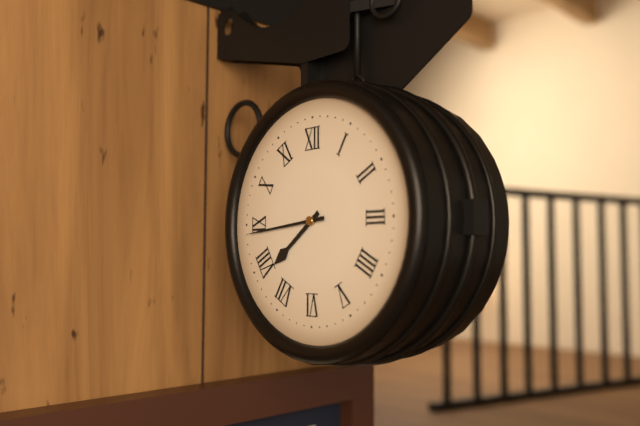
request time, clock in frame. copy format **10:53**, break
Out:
**7:44**
